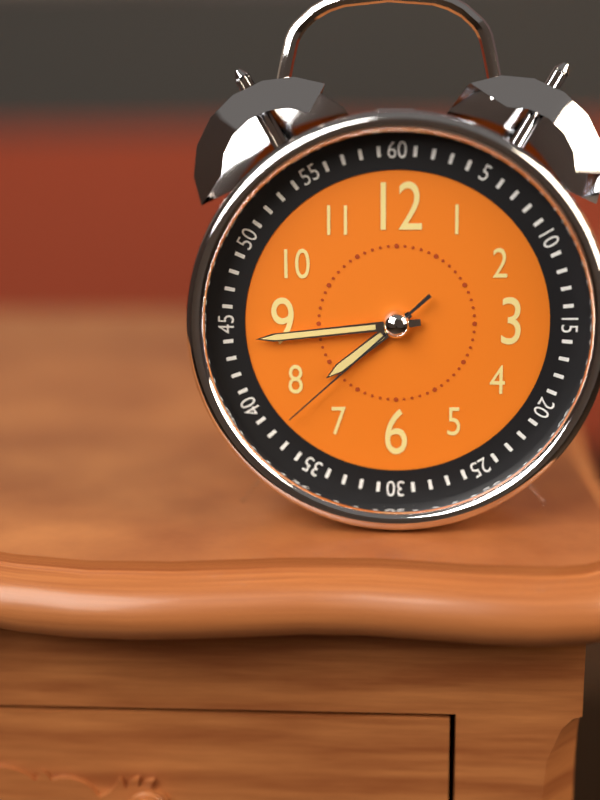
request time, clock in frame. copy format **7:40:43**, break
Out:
**7:44:38**
